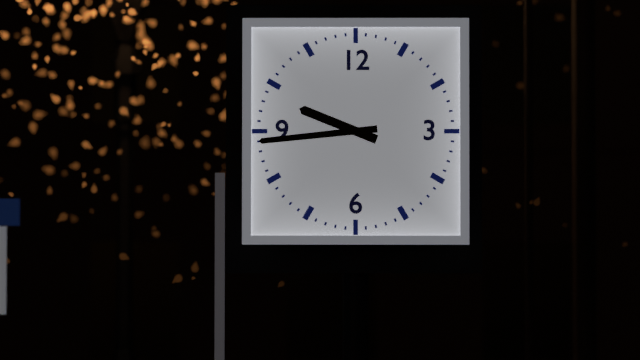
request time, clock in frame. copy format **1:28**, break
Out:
**9:44**
